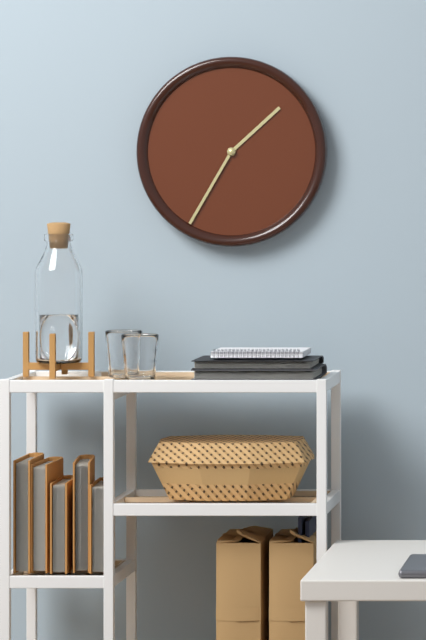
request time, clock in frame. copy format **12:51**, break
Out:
**1:35**
